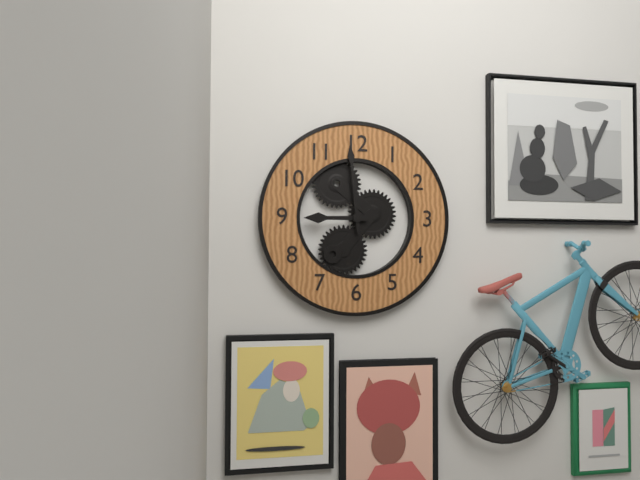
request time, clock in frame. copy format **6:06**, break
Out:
**8:59**
